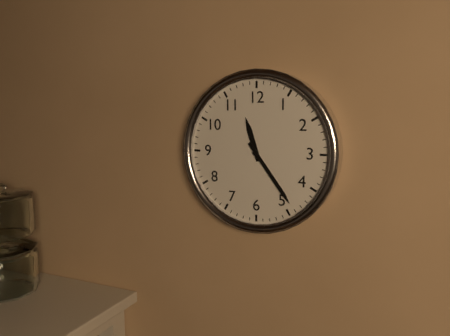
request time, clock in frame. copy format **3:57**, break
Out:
**11:24**
